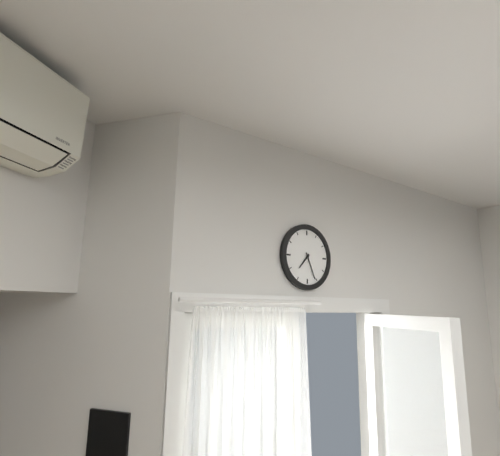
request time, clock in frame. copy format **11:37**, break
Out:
**7:26**
